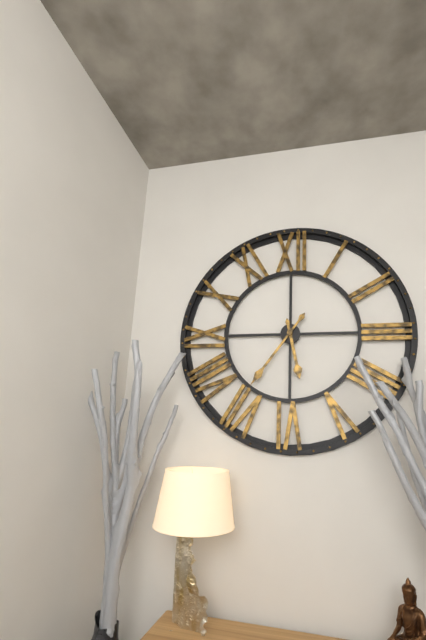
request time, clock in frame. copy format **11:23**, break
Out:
**5:36**
